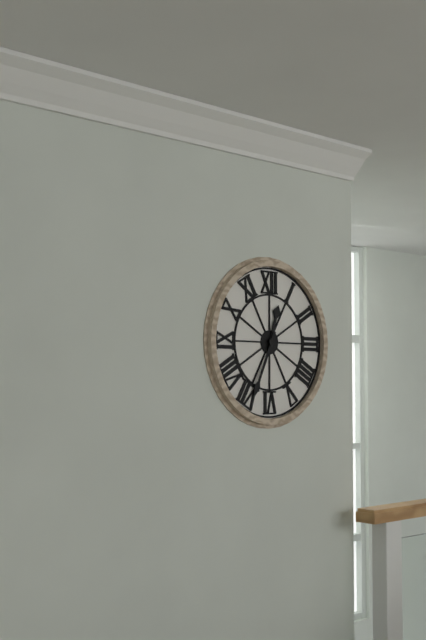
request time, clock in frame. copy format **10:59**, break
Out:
**12:34**
